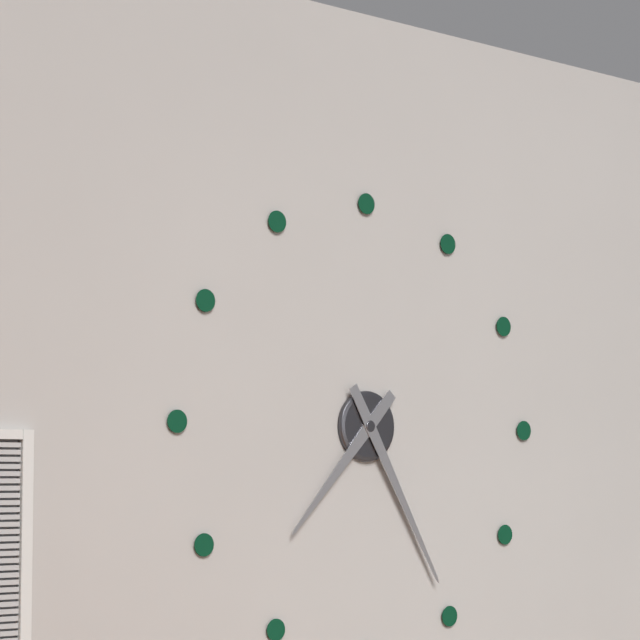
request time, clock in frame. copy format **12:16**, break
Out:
**7:25**
